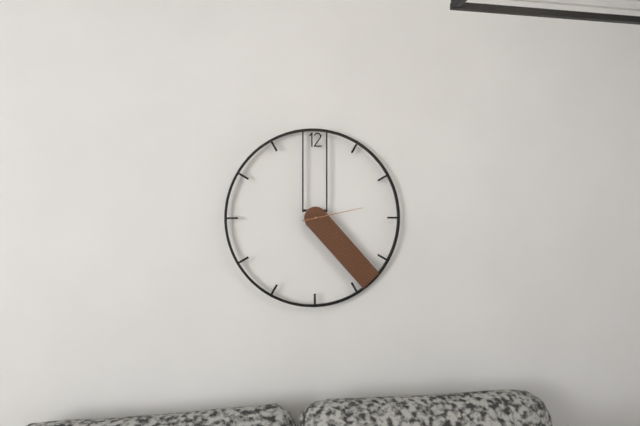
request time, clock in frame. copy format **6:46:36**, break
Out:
**4:23:13**
